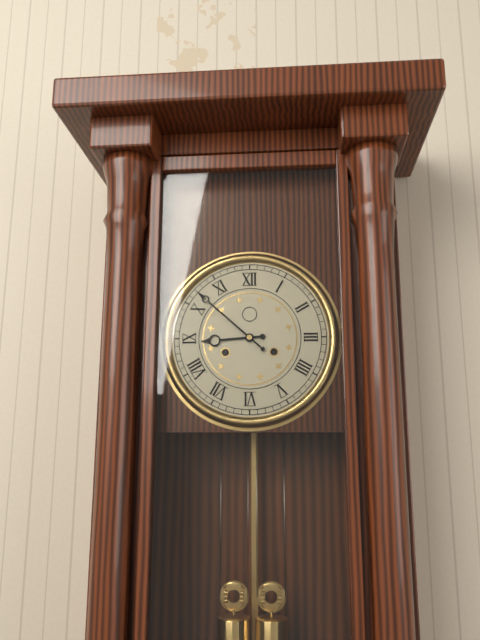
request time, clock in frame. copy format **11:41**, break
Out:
**8:52**
